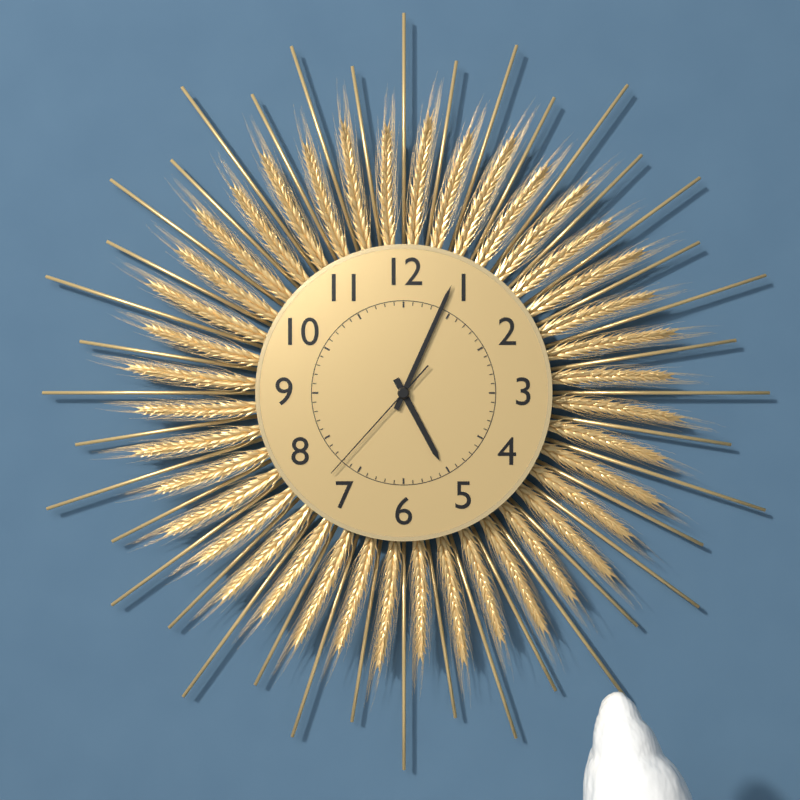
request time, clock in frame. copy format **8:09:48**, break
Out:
**5:04:37**
